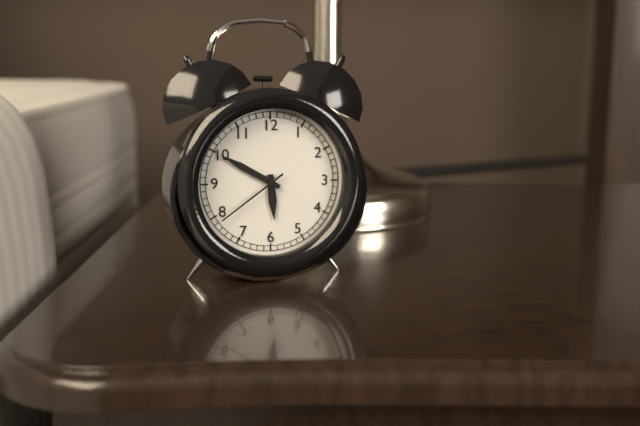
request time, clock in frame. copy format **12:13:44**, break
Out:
**5:50:39**
